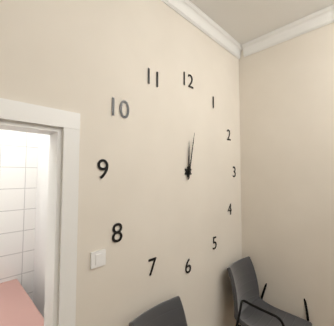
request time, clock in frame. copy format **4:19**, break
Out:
**12:02**
